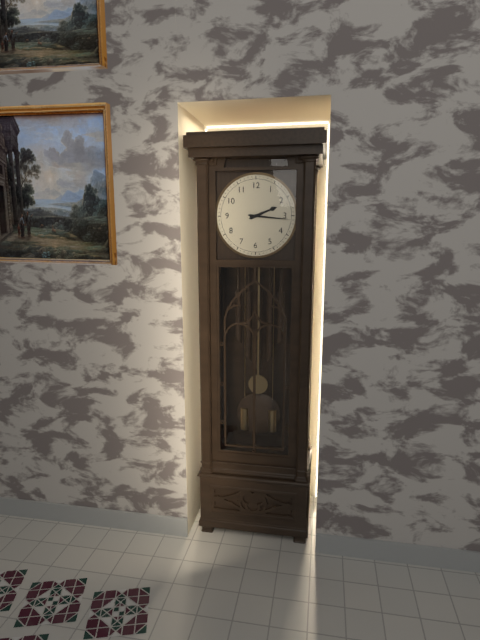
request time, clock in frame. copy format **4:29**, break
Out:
**2:16**
